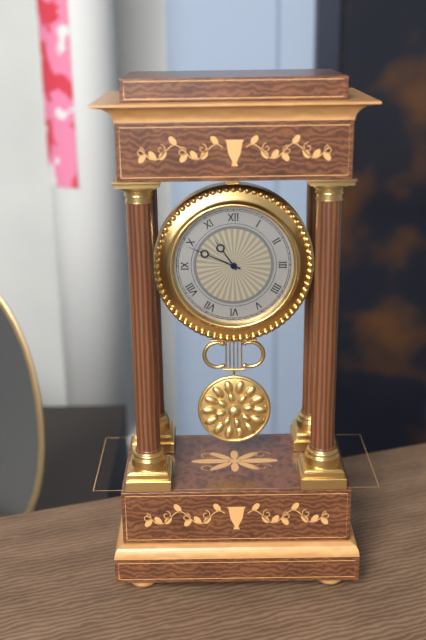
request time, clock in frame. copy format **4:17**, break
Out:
**10:49**
